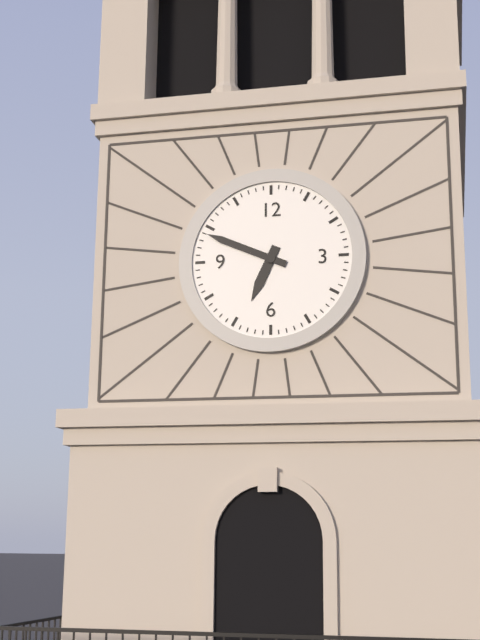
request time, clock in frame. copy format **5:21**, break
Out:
**6:49**
